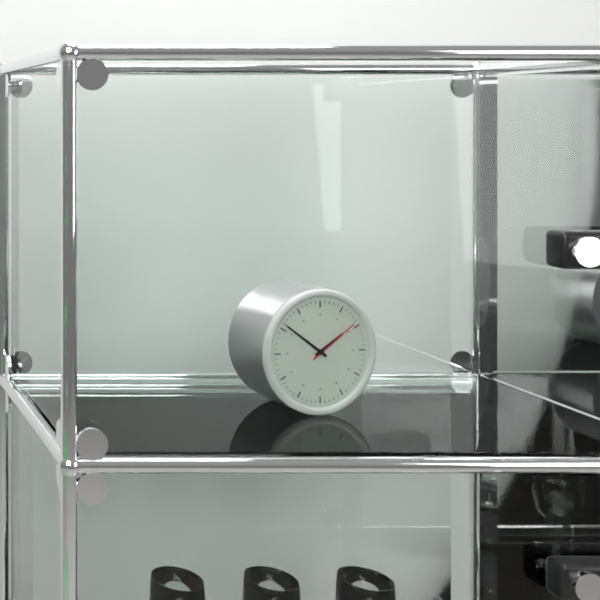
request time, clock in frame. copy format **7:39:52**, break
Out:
**1:51:09**
